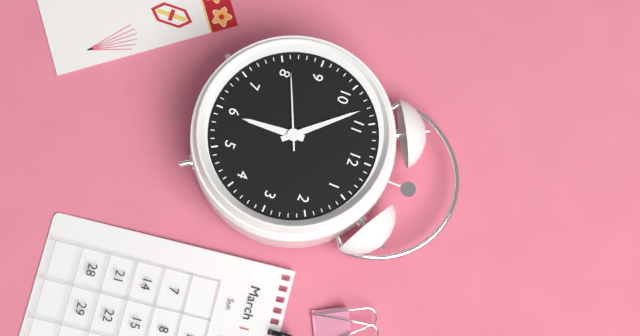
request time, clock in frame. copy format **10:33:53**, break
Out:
**5:53:41**
